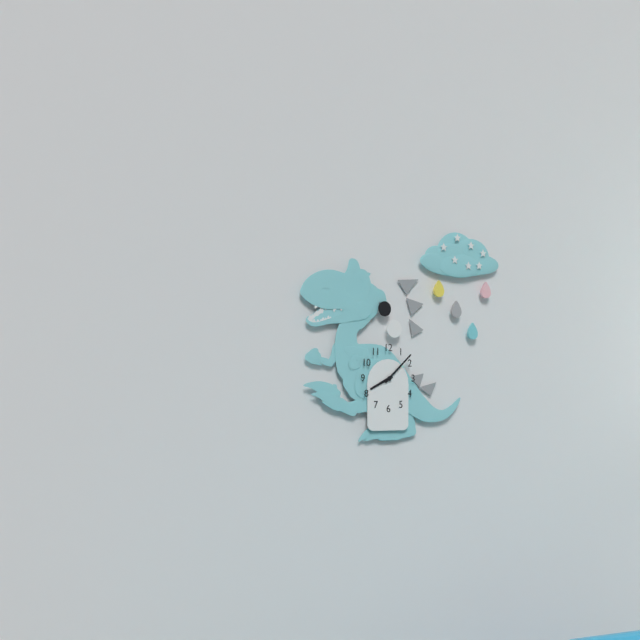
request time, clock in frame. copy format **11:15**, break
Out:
**8:08**
